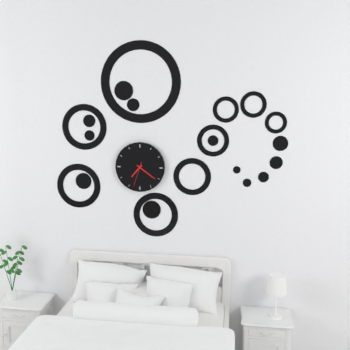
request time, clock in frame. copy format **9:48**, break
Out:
**7:21**
